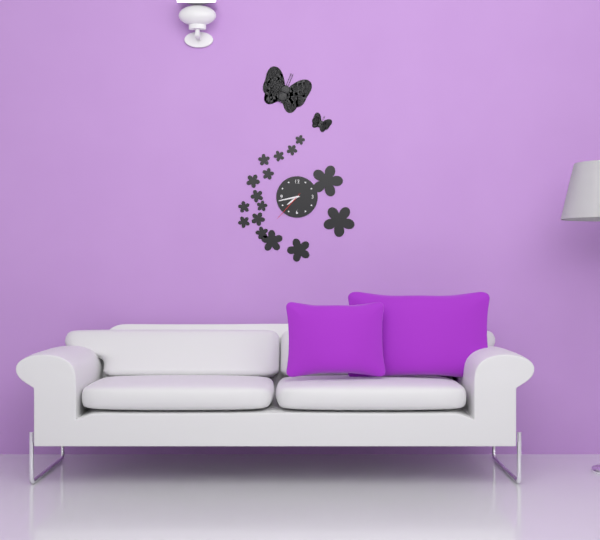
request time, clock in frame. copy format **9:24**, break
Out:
**7:43**
